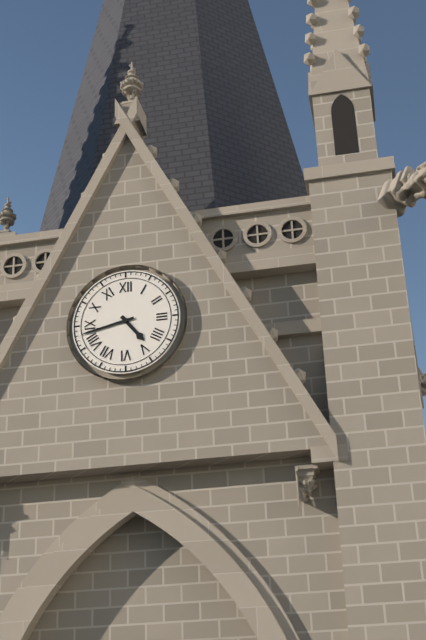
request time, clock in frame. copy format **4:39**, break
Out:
**4:43**
